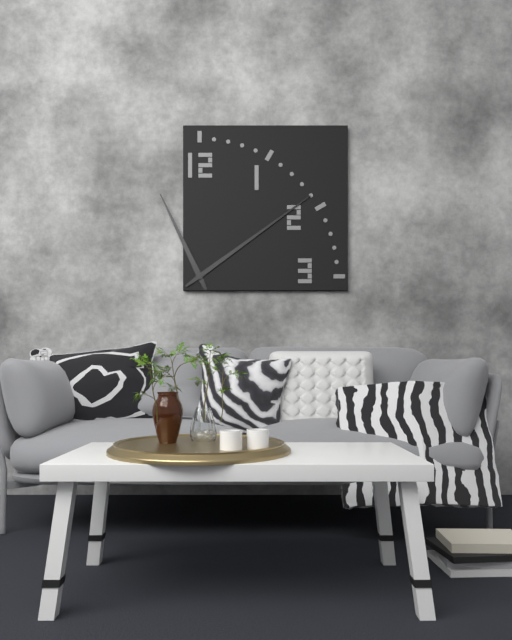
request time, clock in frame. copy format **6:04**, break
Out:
**11:09**
